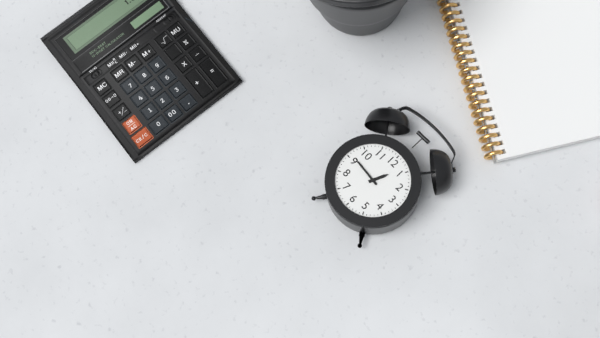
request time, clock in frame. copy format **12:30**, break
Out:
**12:46**
